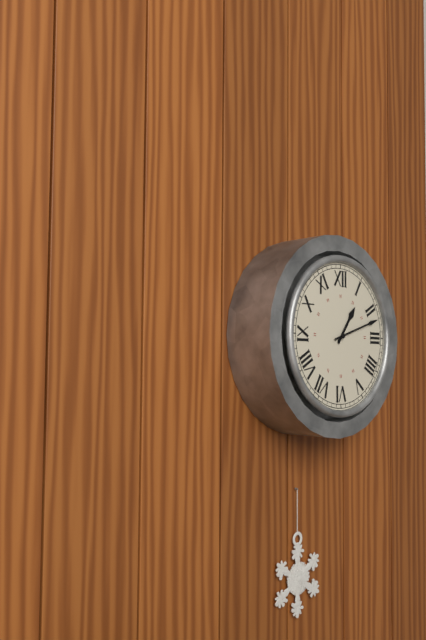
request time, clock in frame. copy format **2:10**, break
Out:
**1:12**
